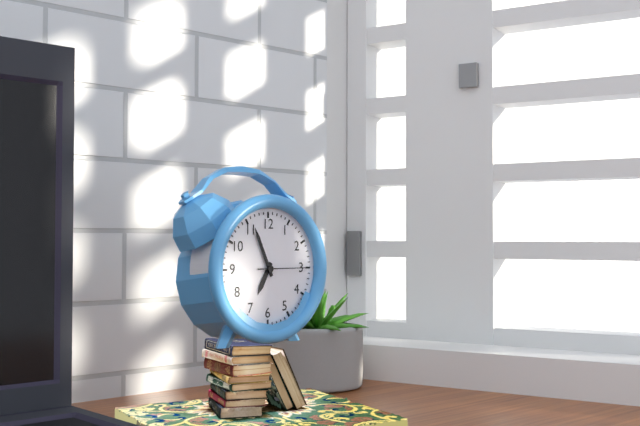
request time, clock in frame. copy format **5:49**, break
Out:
**6:56**
